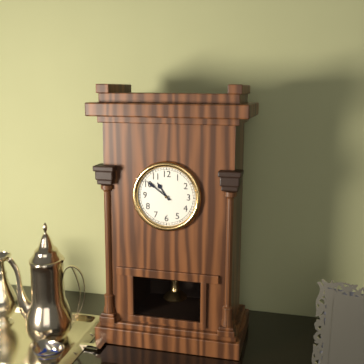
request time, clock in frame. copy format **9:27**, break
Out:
**10:51**
